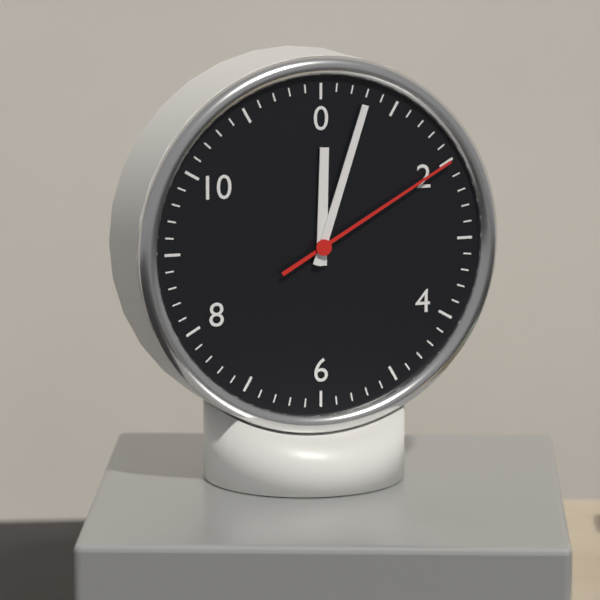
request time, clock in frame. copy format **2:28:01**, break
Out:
**12:03:10**
